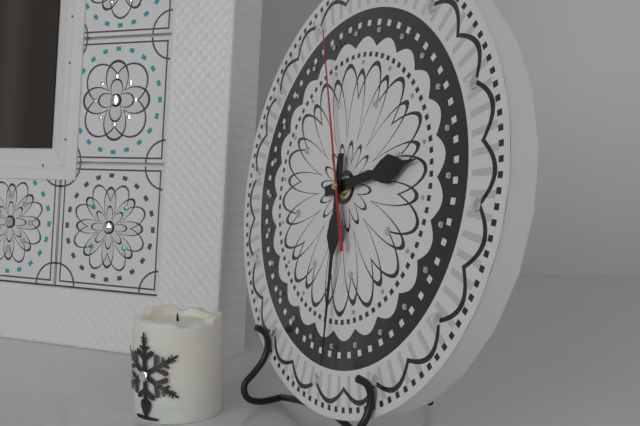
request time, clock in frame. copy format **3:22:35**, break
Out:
**2:29:56**
